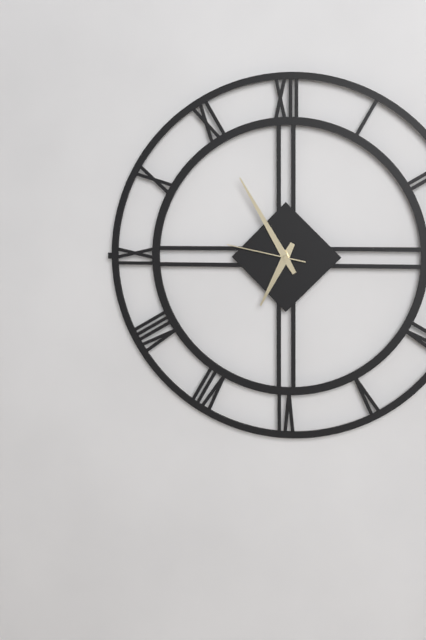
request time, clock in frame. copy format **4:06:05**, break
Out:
**6:55:47**
